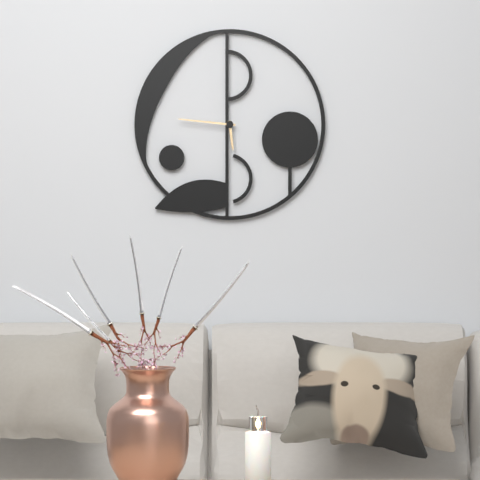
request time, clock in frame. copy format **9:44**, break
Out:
**5:46**
